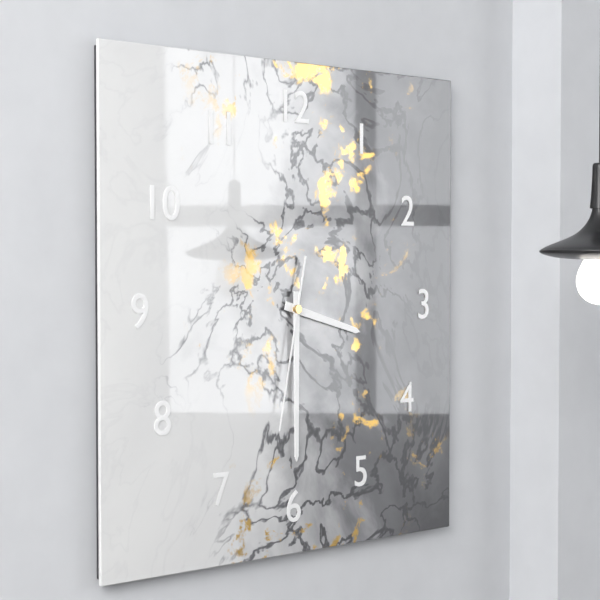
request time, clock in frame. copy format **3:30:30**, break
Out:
**3:30:32**
